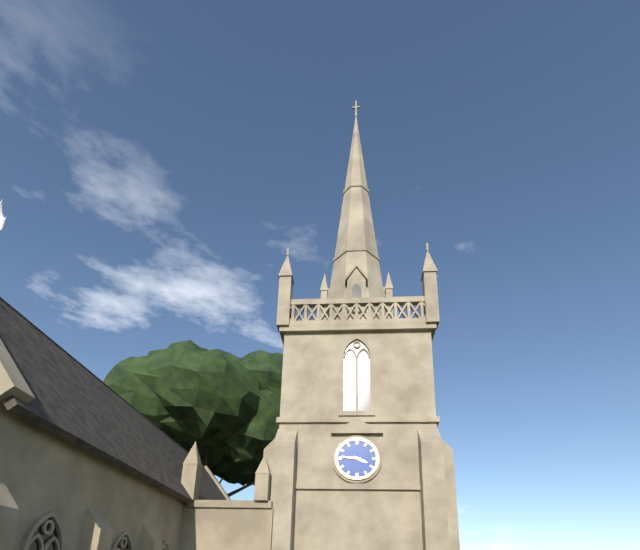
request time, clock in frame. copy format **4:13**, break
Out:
**3:46**
